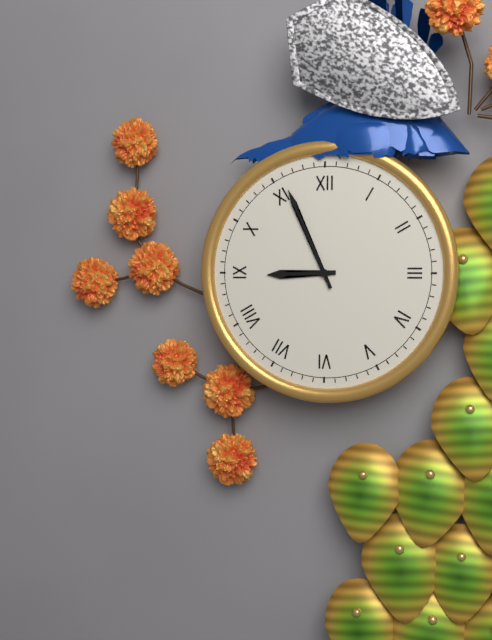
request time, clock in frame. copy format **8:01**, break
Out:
**8:56**
